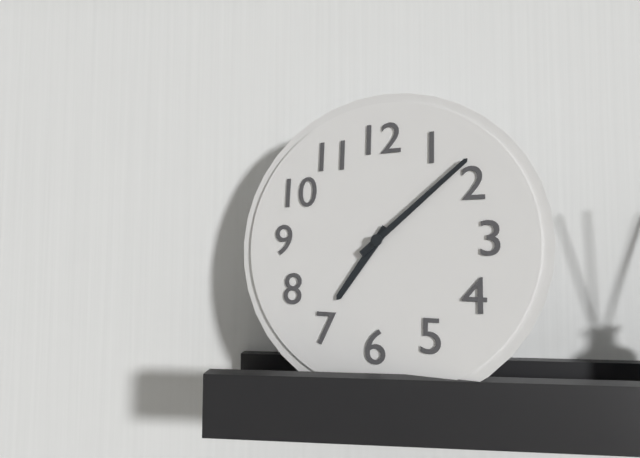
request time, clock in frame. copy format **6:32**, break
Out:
**7:08**
